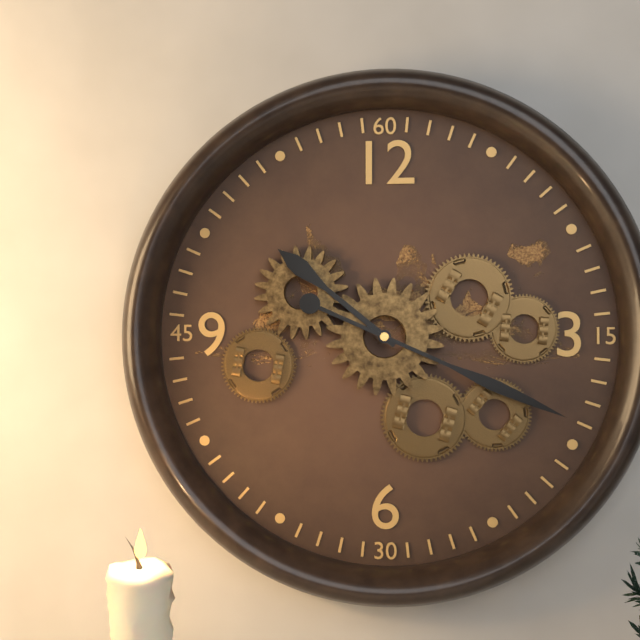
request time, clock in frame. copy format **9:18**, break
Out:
**10:19**
